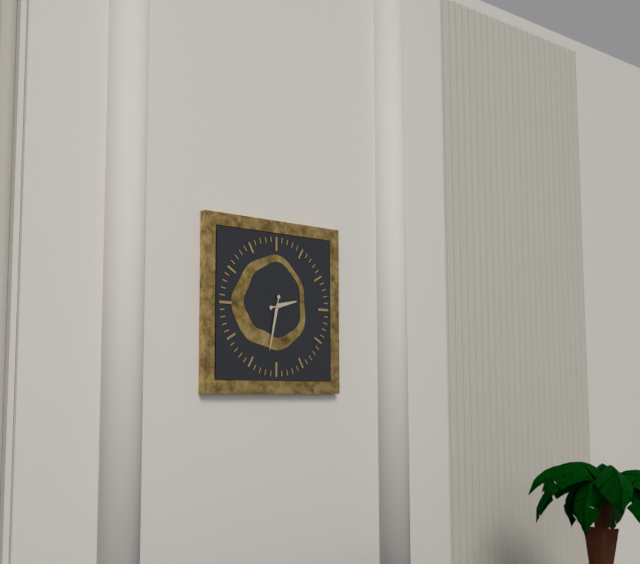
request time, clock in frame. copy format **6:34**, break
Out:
**2:32**
